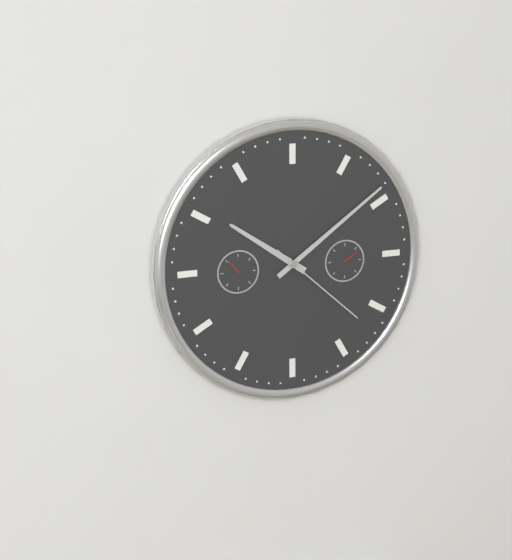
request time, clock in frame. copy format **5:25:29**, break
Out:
**10:09:22**
